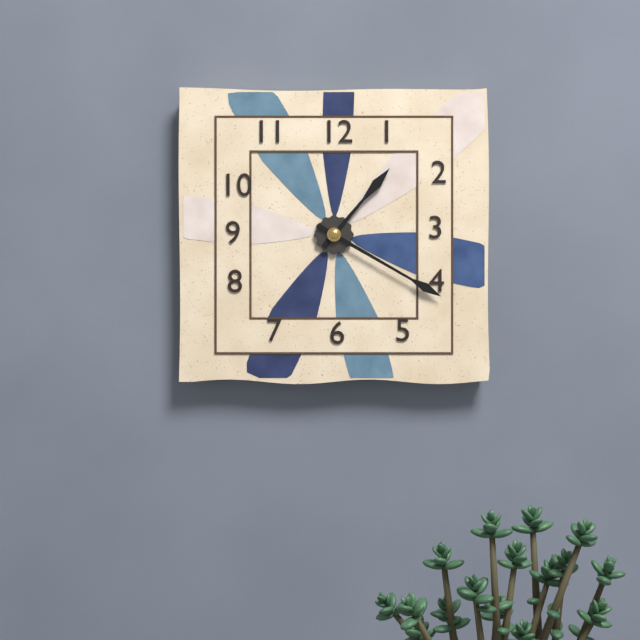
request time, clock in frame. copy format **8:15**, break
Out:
**1:20**
